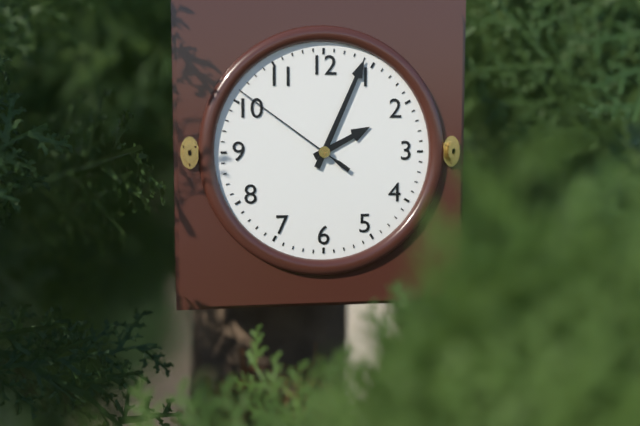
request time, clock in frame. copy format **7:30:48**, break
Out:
**2:04:51**
